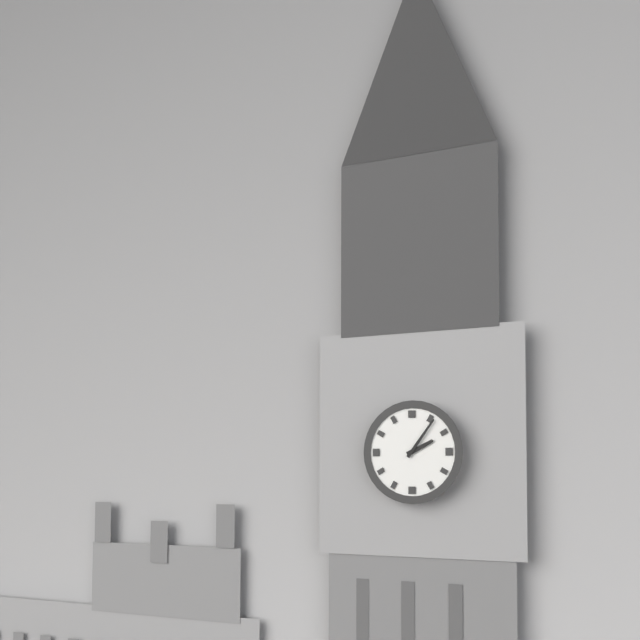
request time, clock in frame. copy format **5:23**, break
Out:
**2:06**
